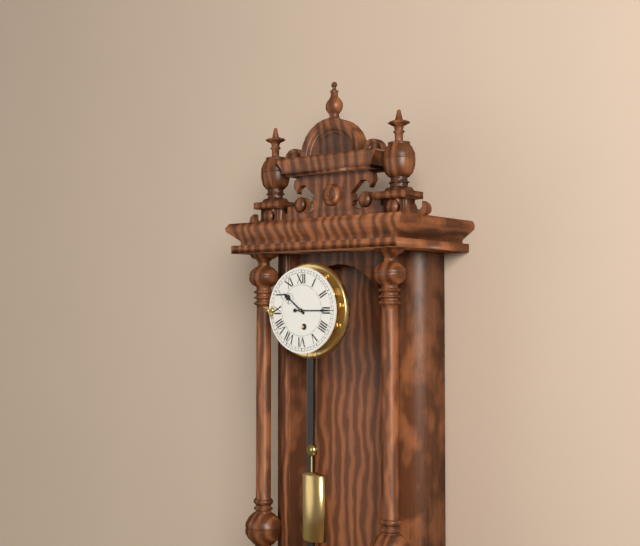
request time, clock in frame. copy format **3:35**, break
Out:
**10:15**
